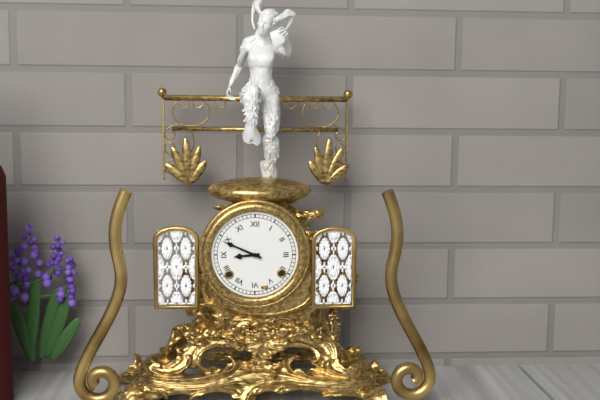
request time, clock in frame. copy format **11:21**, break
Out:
**8:49**
